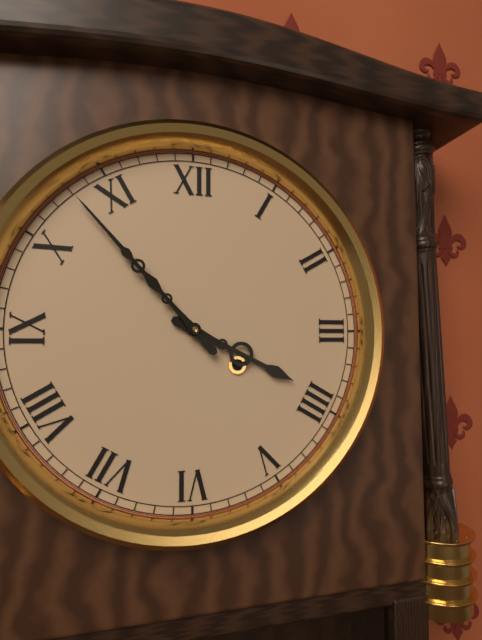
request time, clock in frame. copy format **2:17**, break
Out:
**3:53**
